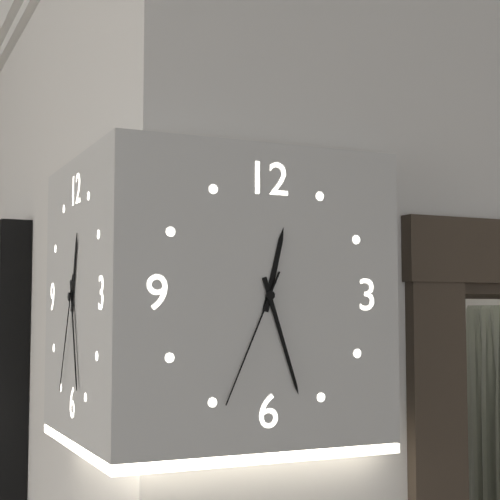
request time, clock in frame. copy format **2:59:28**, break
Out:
**12:27:34**
